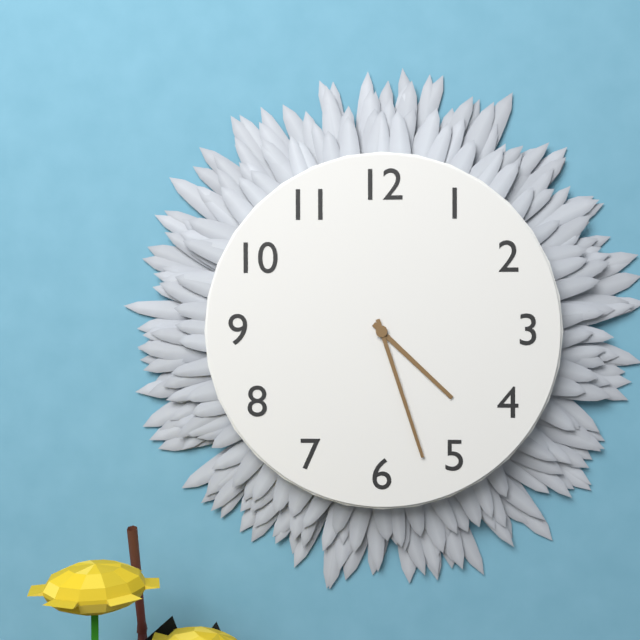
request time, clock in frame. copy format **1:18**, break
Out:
**4:27**
